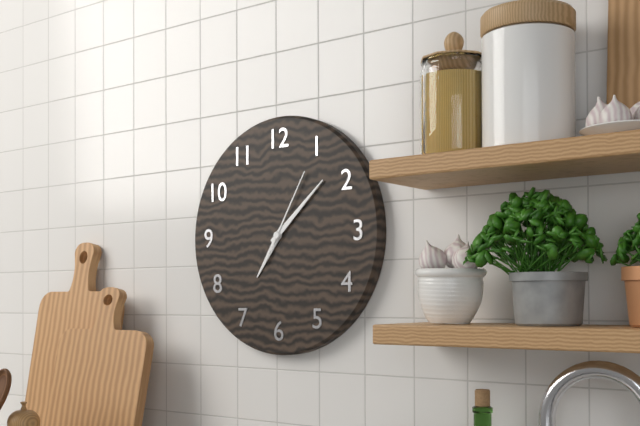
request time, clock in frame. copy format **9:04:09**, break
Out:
**7:08:05**
